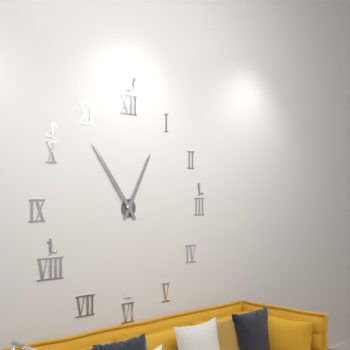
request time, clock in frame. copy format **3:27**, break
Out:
**12:54**
